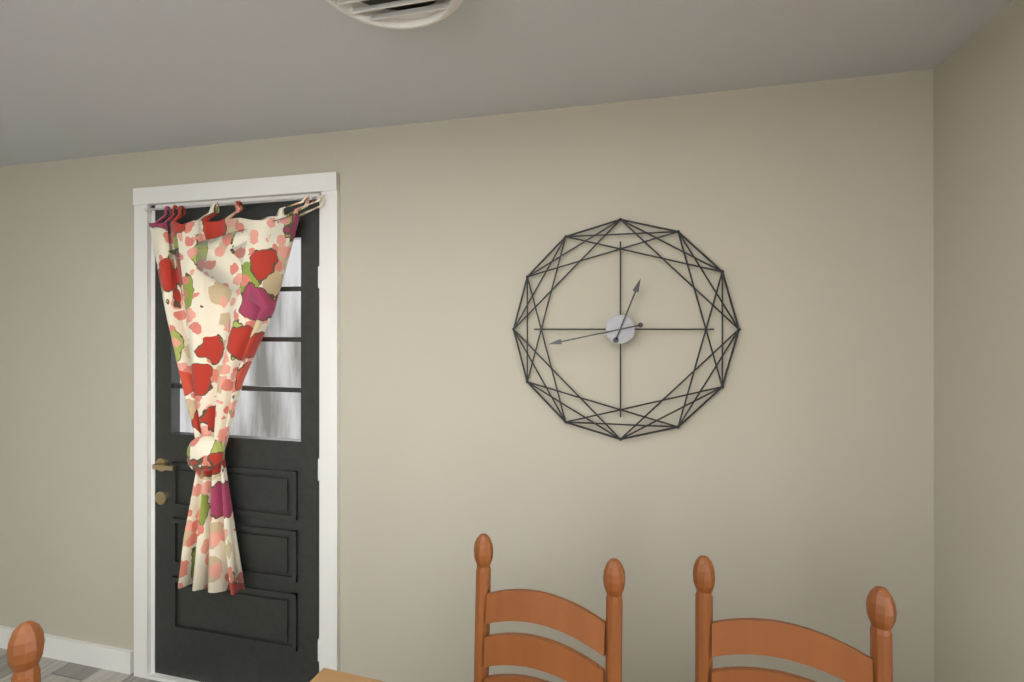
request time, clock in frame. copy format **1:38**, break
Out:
**12:43**
